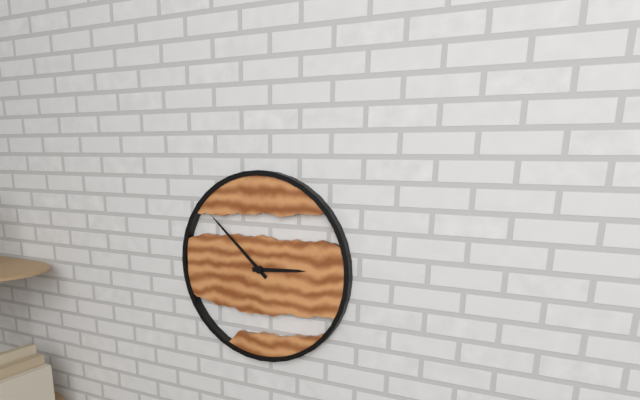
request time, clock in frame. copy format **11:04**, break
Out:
**2:52**
